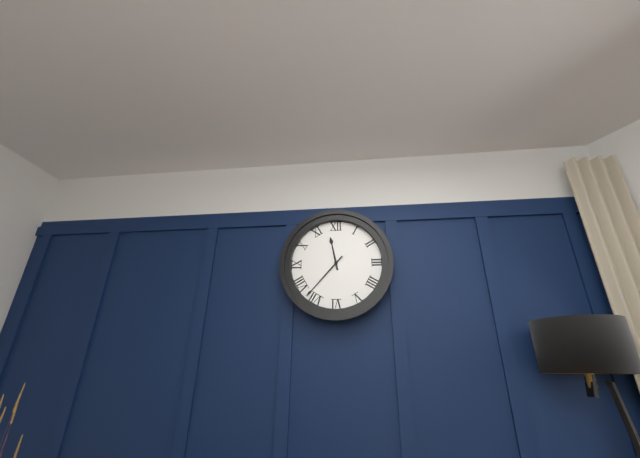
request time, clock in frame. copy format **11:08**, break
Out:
**11:37**
